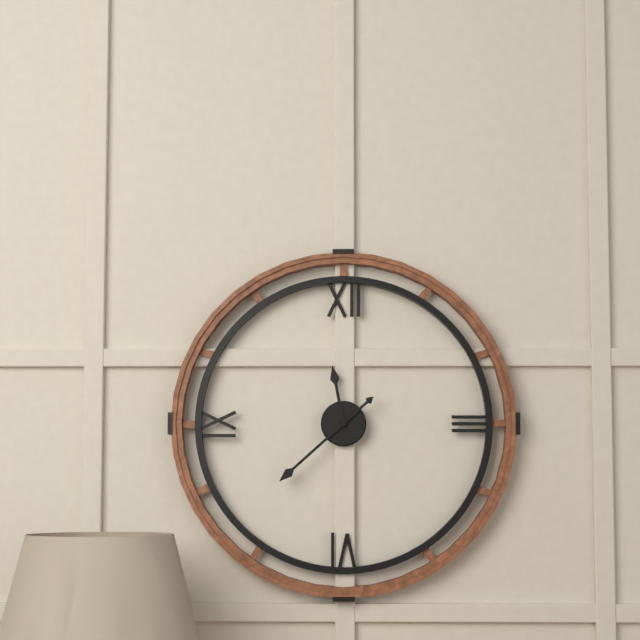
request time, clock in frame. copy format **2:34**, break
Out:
**11:38**
